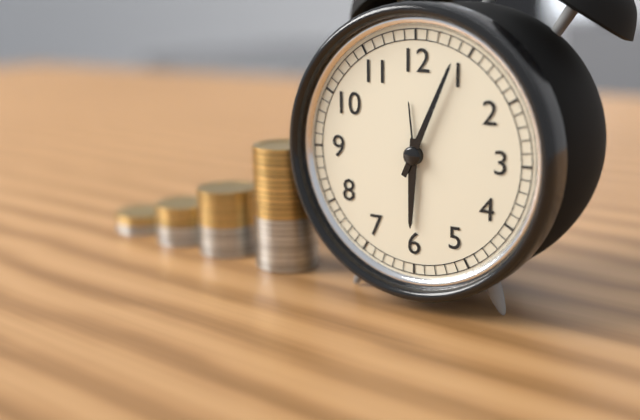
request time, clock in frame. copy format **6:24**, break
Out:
**6:04**
